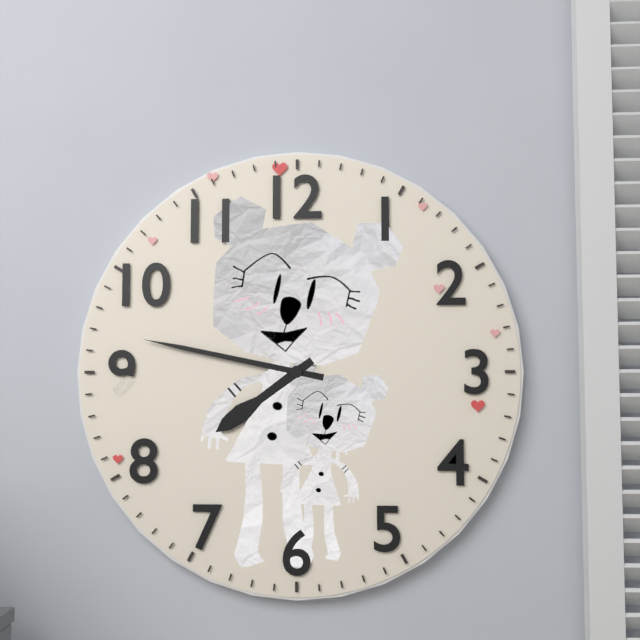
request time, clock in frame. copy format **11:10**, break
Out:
**7:47**
